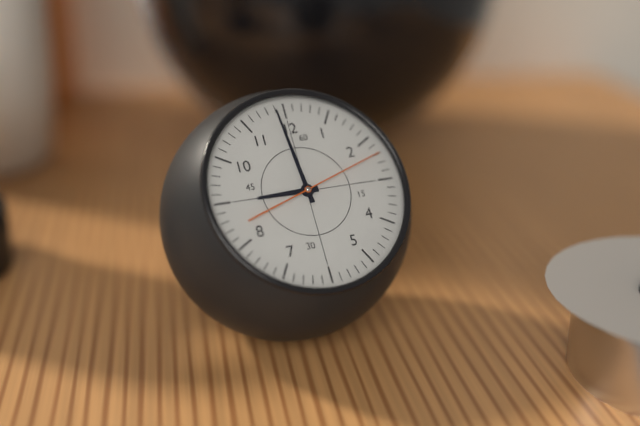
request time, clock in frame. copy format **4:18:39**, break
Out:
**8:59:12**
